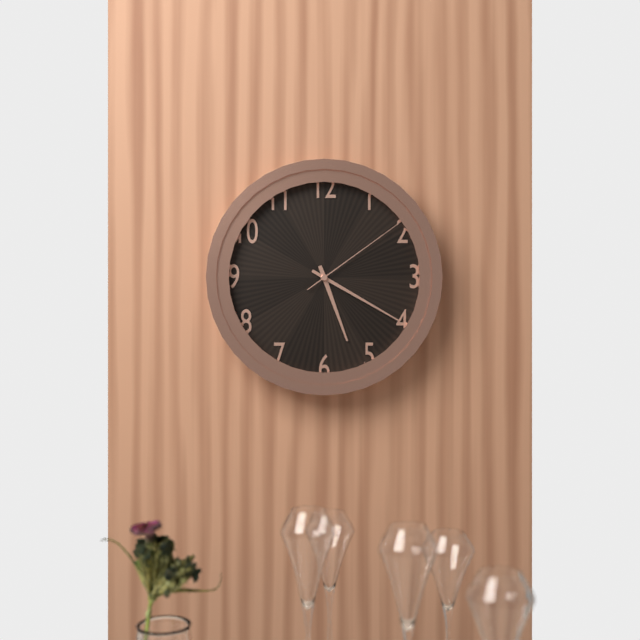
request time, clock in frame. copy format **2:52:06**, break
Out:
**5:20:09**
